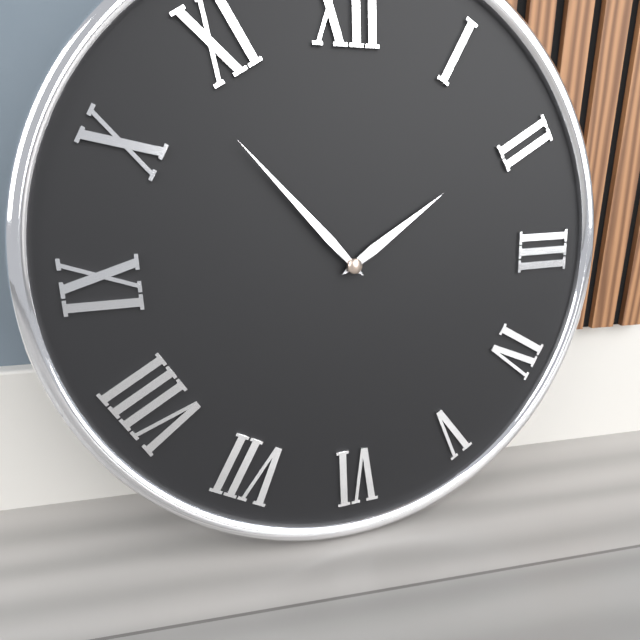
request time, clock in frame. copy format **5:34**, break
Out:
**1:53**
